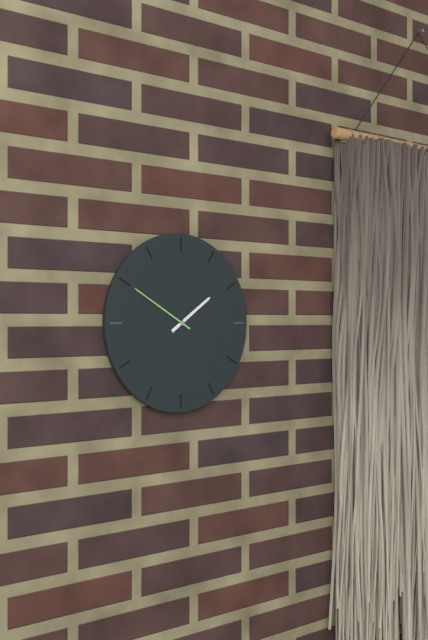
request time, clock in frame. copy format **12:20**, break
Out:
**1:50**
